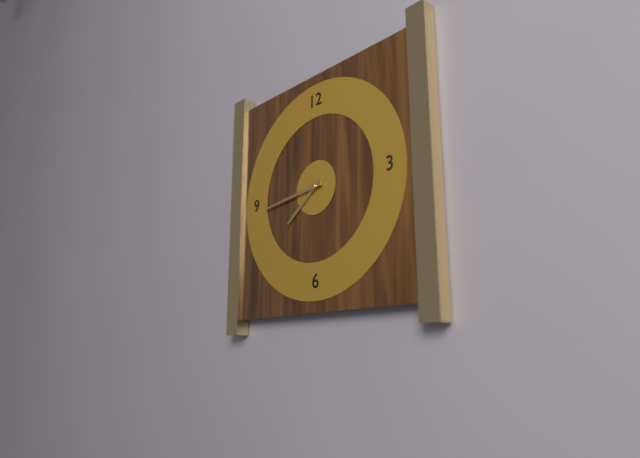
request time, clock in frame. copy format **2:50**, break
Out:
**7:44**
